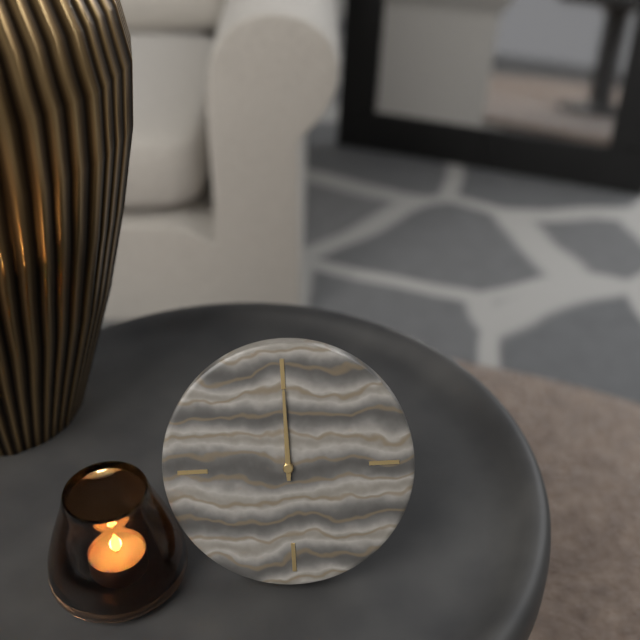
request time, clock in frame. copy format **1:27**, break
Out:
**12:00**
